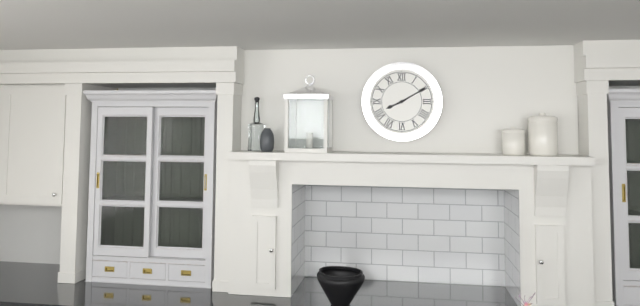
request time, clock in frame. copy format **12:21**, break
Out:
**8:10**
